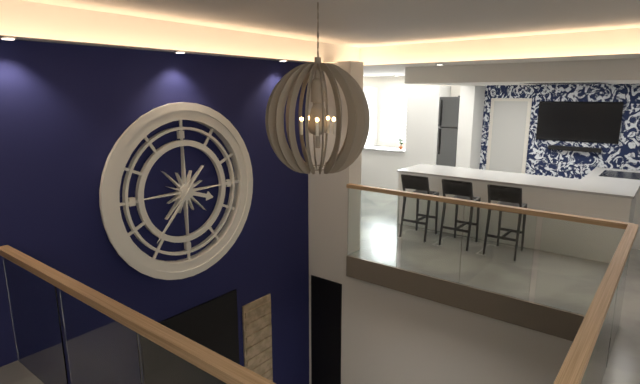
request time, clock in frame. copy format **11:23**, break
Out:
**3:37**
